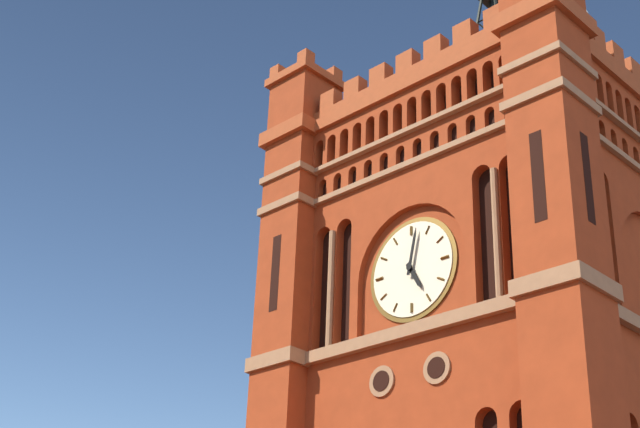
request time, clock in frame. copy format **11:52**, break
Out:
**5:02**
